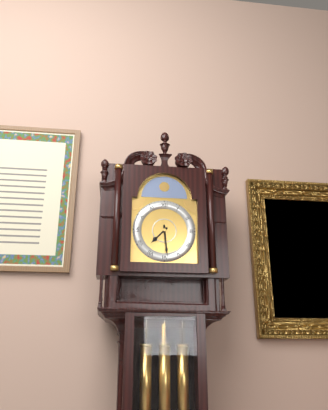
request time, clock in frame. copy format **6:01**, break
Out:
**7:29**
